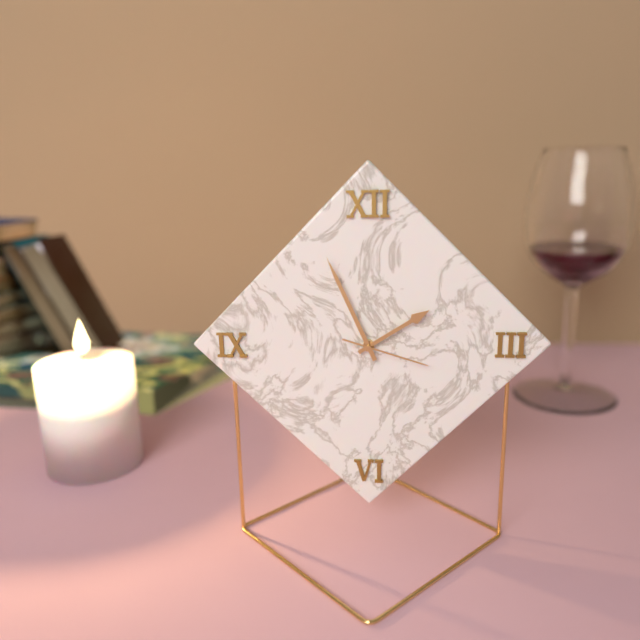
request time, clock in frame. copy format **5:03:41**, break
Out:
**1:56:18**
